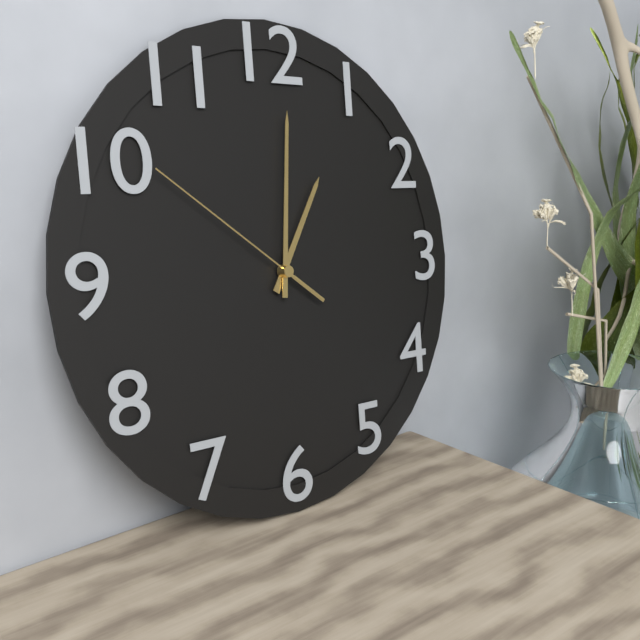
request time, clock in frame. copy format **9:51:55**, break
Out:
**1:01:51**
